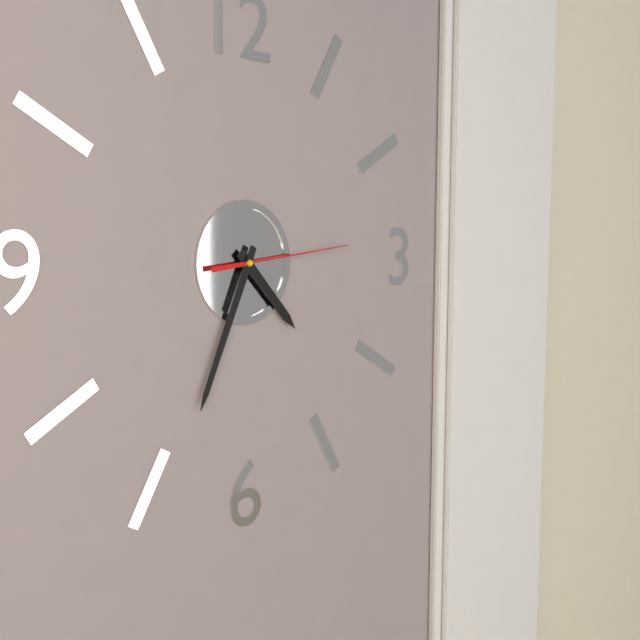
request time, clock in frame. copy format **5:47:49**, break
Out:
**4:34:14**
